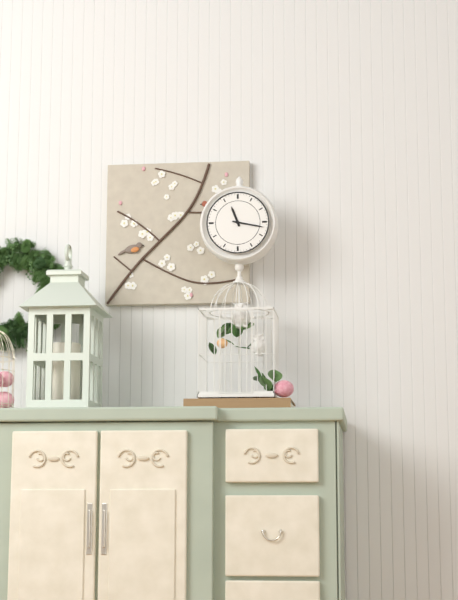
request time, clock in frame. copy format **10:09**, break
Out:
**11:17**
